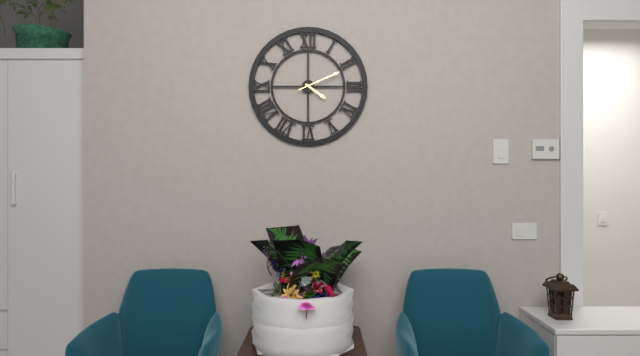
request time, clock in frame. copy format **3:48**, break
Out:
**4:11**
